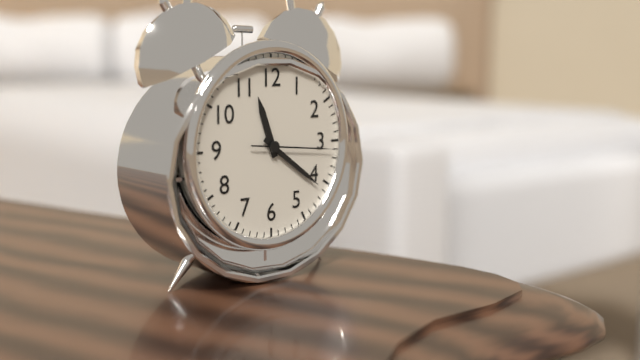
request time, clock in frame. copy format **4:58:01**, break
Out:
**11:21:16**
